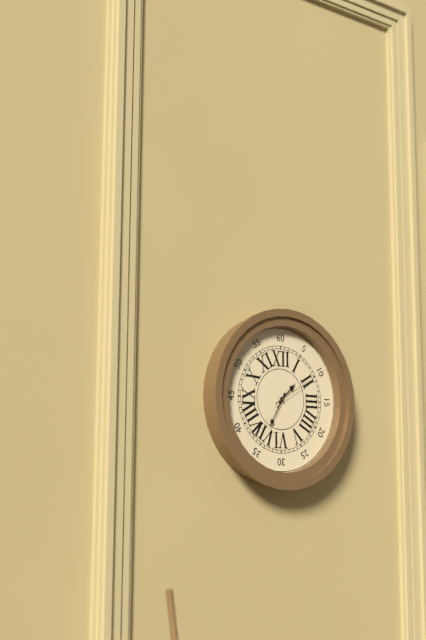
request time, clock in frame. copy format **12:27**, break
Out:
**1:35**
